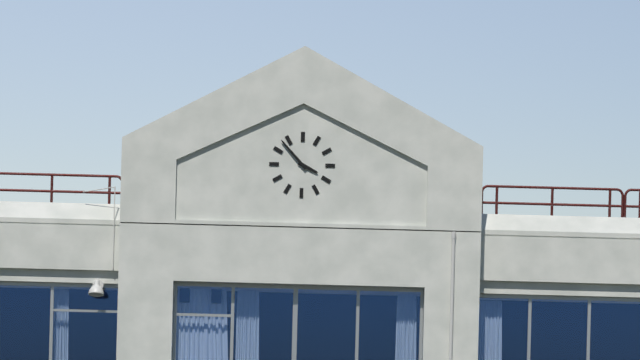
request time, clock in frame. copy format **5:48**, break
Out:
**3:53**
